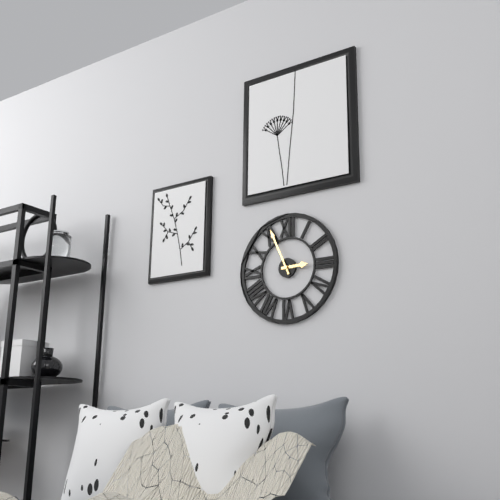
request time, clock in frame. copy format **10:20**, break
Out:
**2:56**
